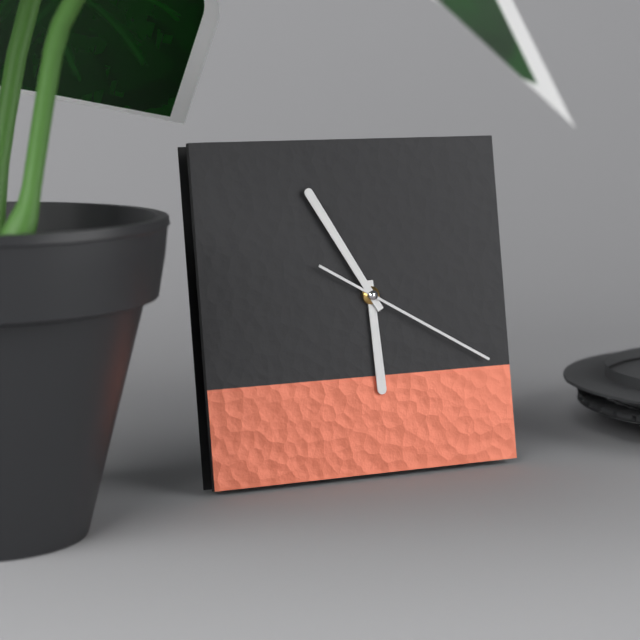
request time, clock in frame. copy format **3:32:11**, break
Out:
**5:55:20**
